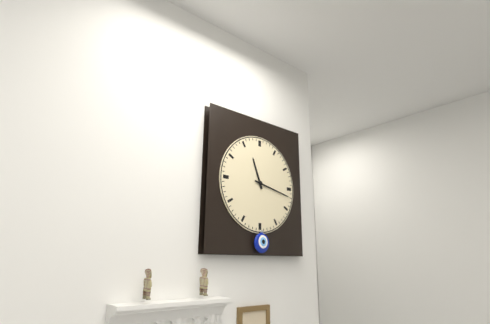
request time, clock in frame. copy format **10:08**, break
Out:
**11:17**
